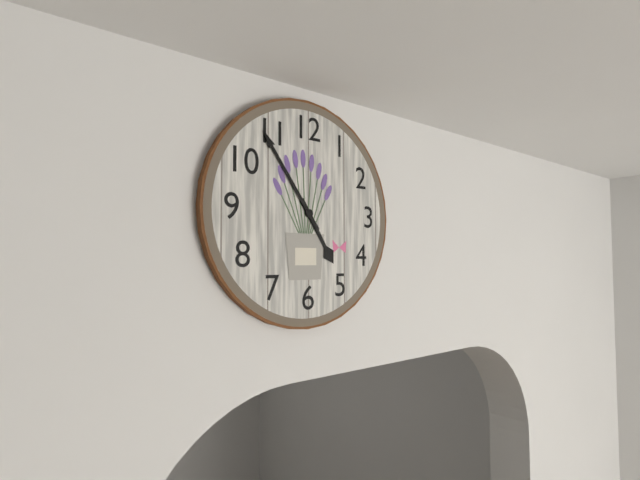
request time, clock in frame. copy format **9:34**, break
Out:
**4:54**
